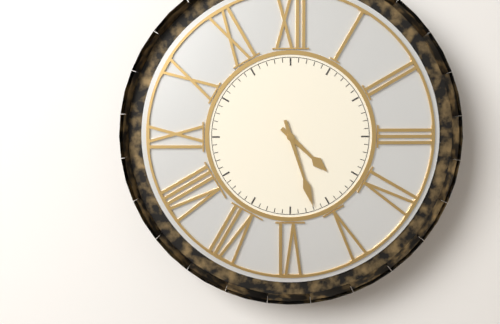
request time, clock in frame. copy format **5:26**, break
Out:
**4:27**
